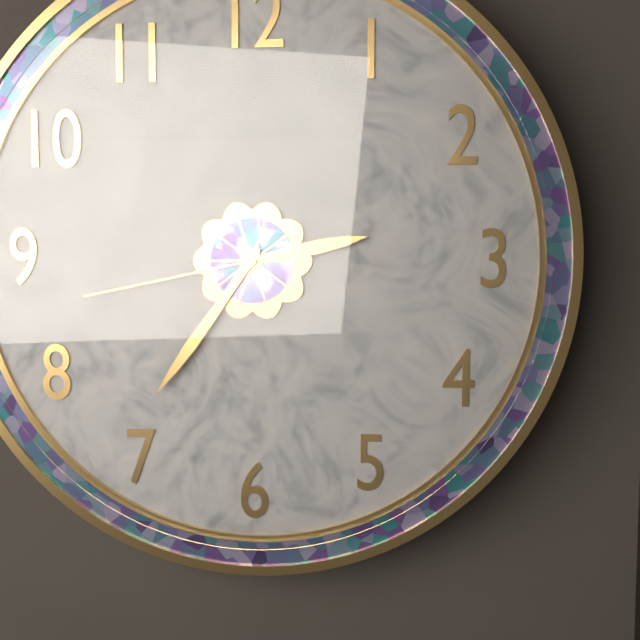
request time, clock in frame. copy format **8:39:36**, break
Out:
**2:36:43**
